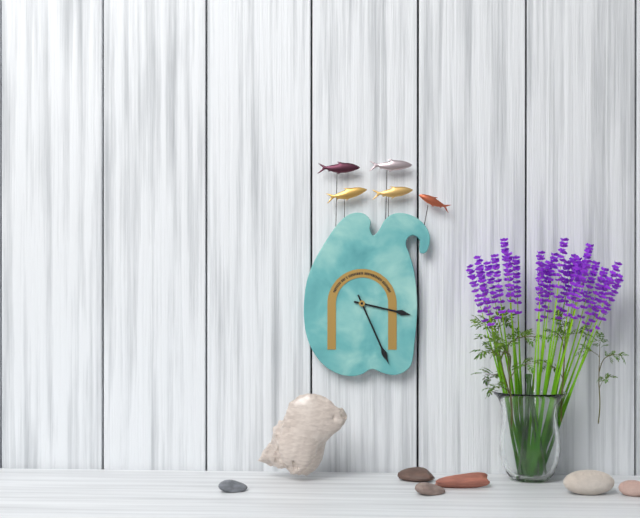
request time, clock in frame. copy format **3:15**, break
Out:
**3:26**
